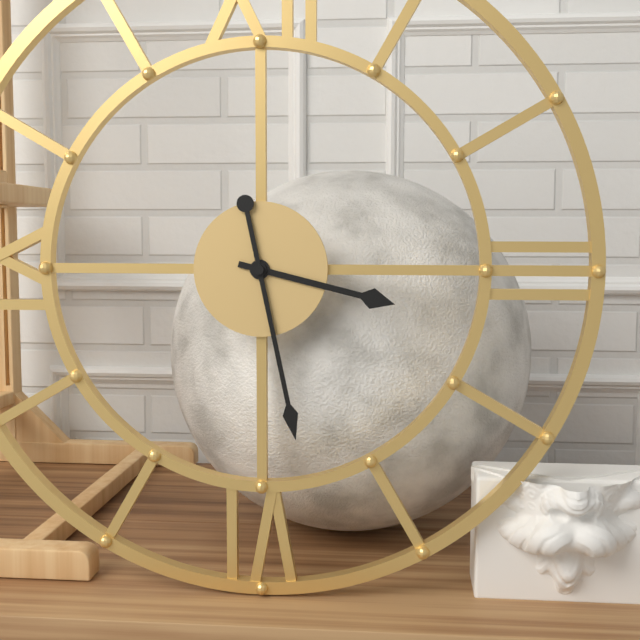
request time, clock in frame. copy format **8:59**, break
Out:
**3:28**
